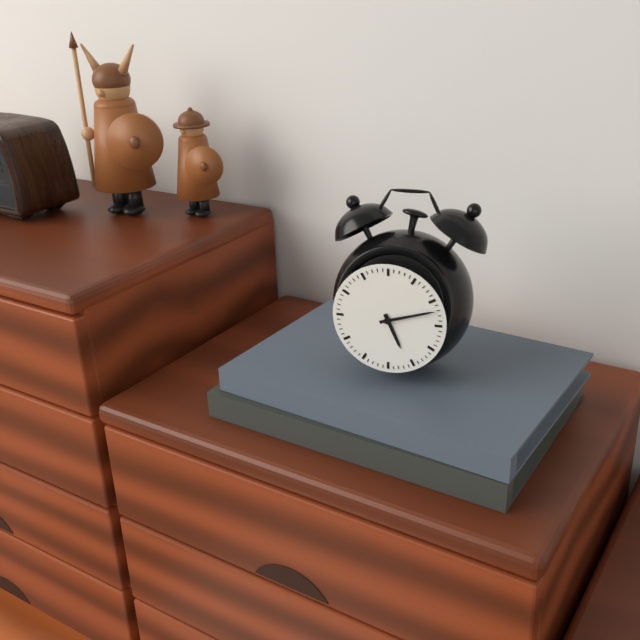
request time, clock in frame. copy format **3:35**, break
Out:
**5:12**
